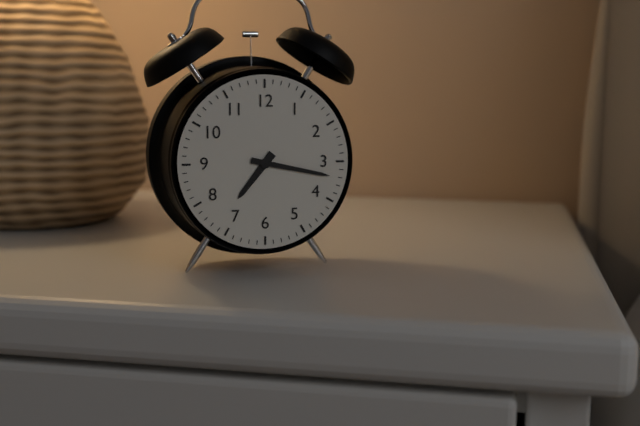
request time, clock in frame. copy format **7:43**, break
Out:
**7:17**
